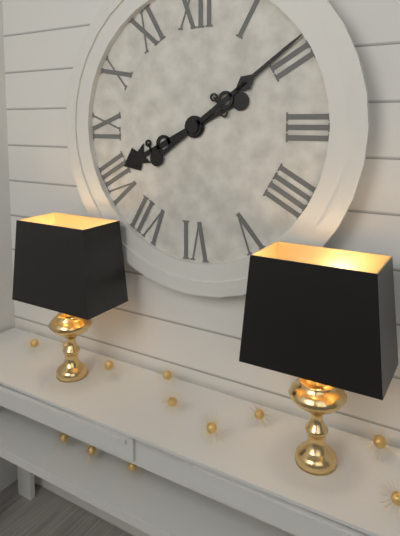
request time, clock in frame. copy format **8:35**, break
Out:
**8:09**
